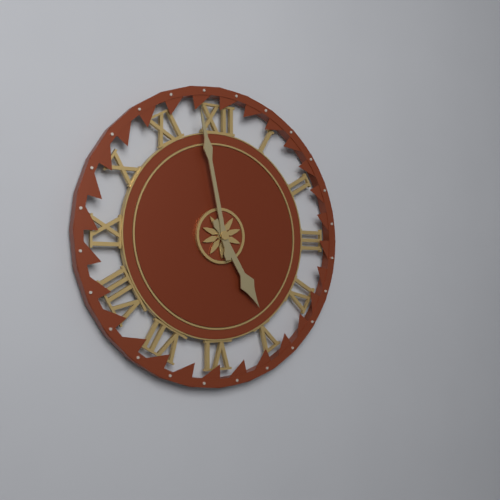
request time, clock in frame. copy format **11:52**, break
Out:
**4:58**
